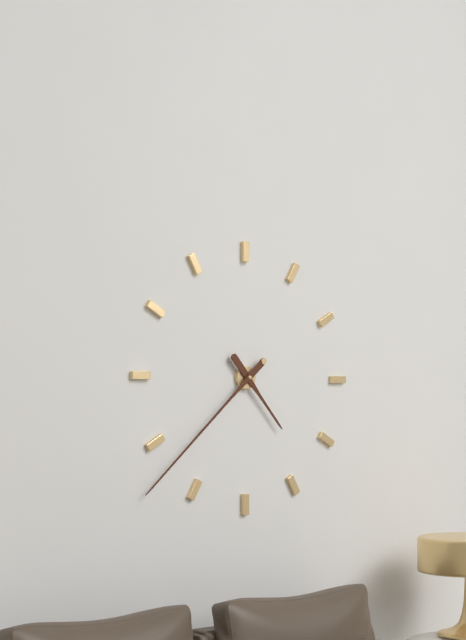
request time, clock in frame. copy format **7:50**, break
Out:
**4:38**
